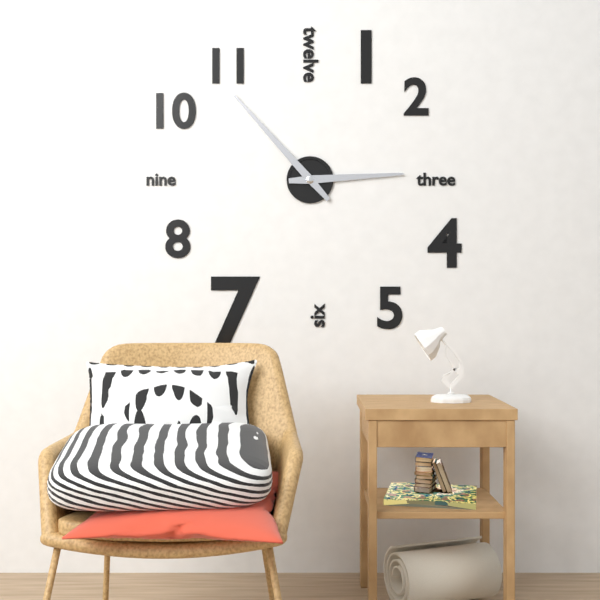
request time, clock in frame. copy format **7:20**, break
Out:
**2:53**
